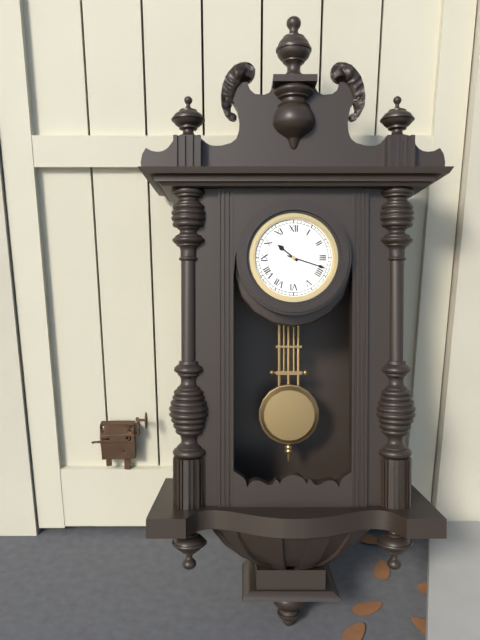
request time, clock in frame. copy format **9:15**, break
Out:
**10:18**
